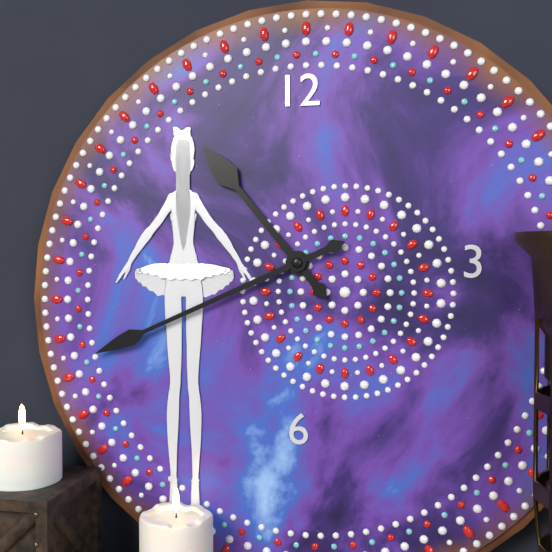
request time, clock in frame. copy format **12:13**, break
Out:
**10:41**
